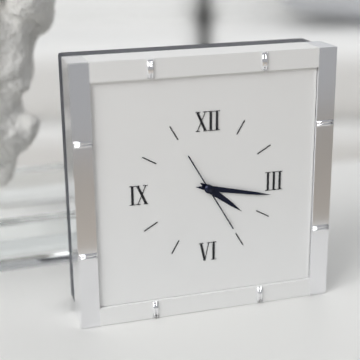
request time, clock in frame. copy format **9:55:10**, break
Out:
**4:17:25**
